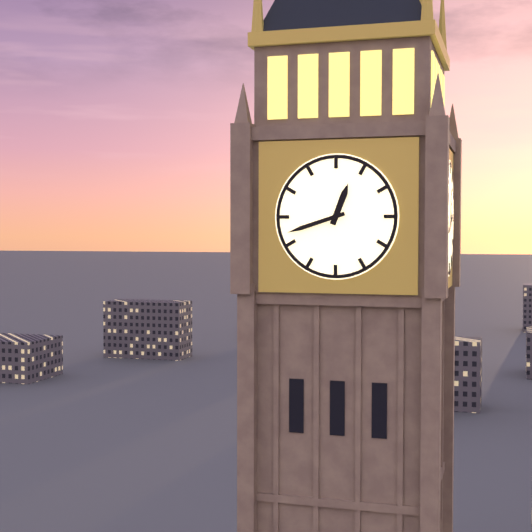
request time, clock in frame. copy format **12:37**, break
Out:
**12:42**
